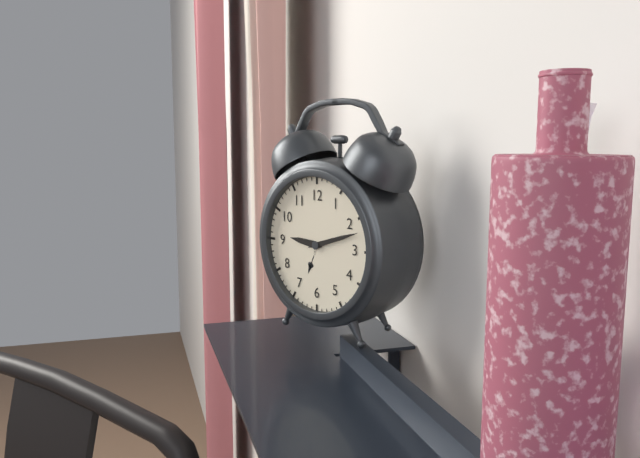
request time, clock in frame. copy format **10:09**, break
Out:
**9:12**
